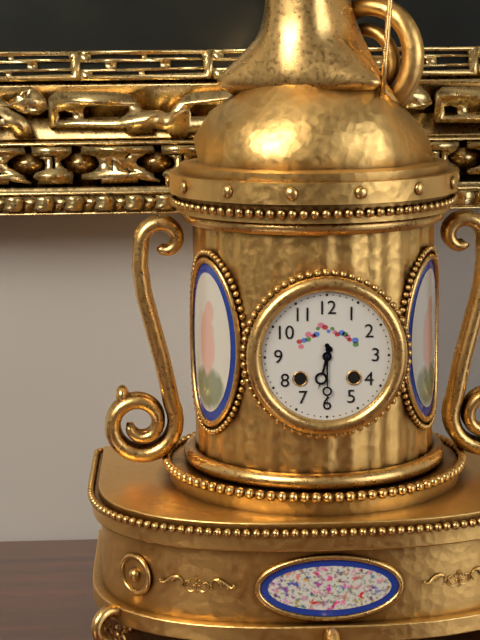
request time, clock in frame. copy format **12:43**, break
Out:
**6:30**
